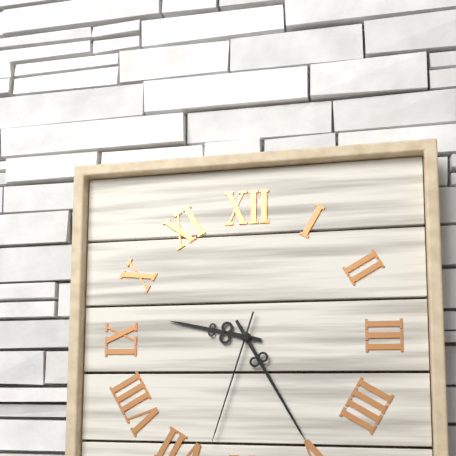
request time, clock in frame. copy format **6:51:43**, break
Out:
**9:25:33**
